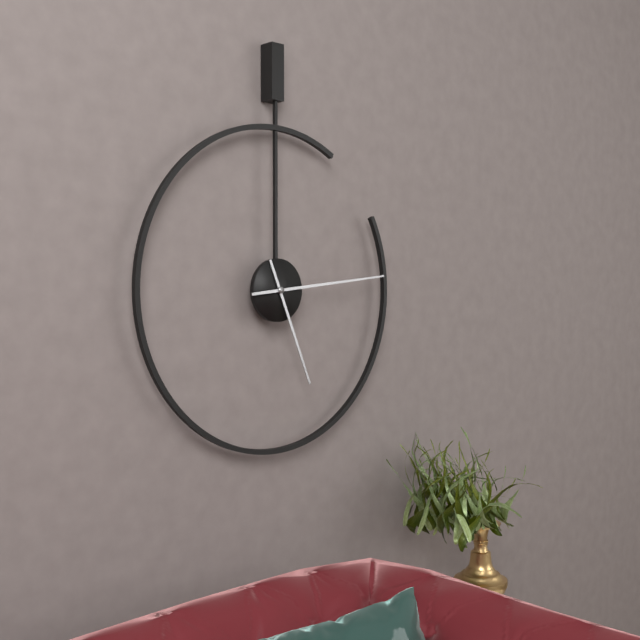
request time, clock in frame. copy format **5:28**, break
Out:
**5:14**
